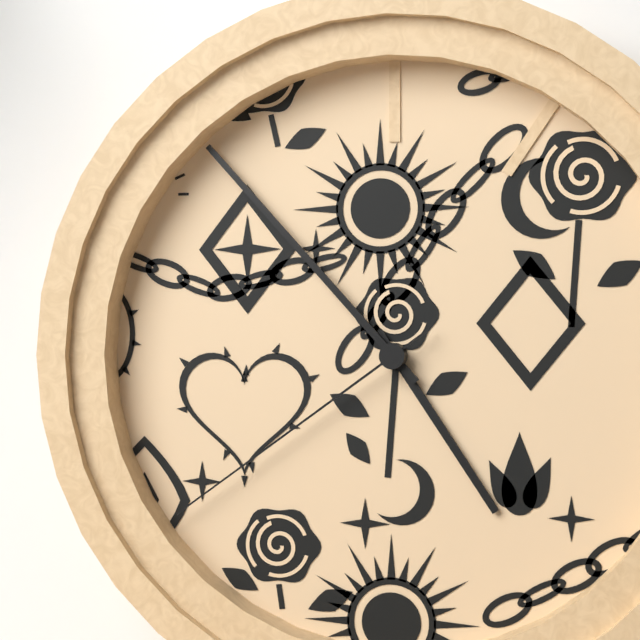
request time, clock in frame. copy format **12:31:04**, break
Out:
**4:53:39**
